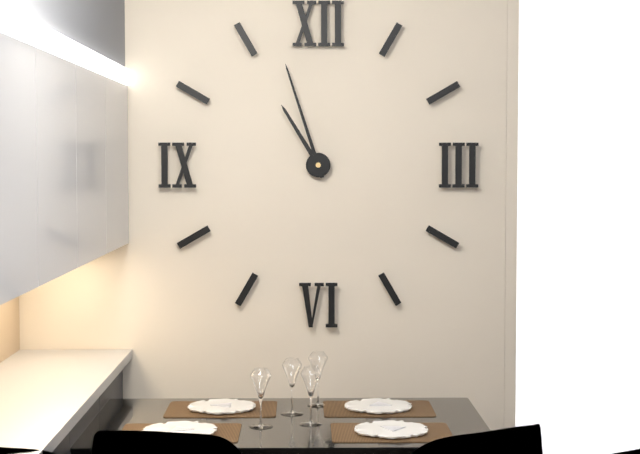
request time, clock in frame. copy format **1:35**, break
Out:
**10:57**
